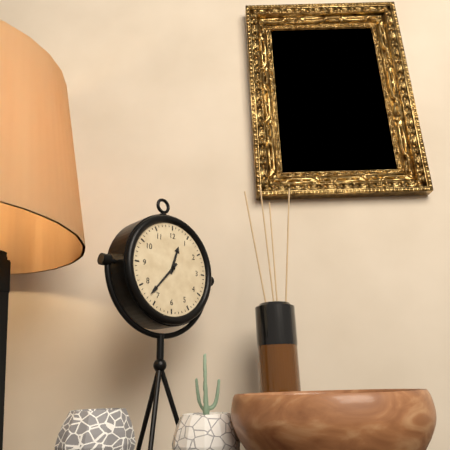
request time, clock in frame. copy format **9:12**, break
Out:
**12:37**
